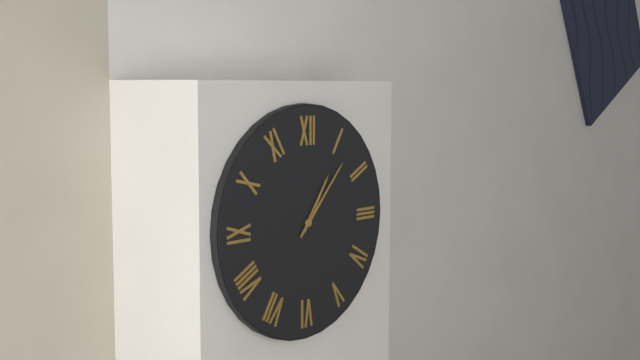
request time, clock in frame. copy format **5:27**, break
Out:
**1:07**
